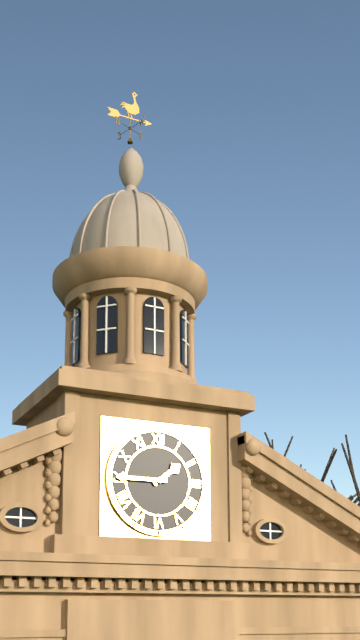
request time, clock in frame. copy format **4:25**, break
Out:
**1:45**
